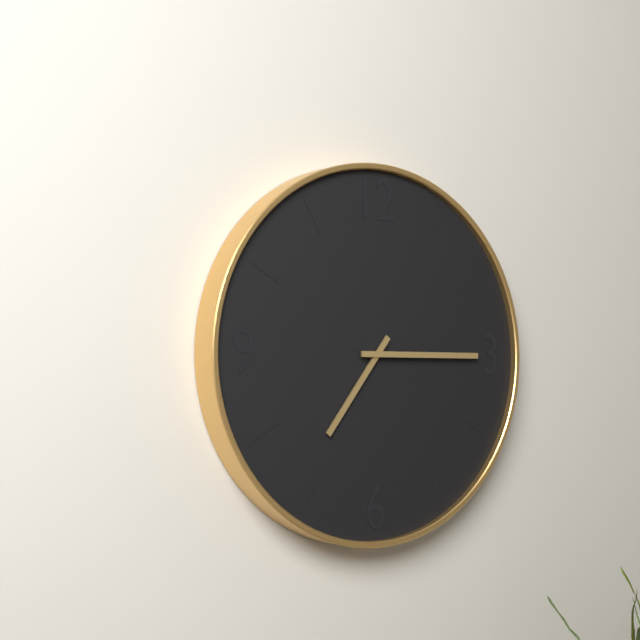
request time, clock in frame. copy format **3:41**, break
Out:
**7:15**
